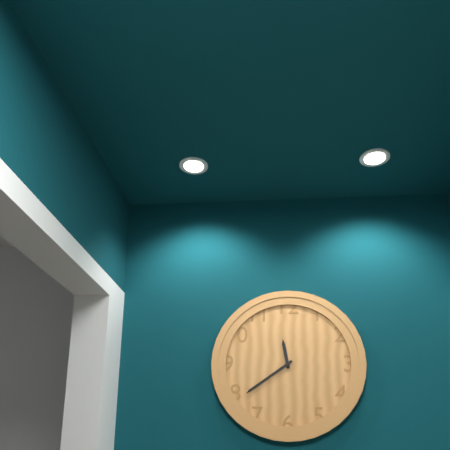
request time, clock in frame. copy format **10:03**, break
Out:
**11:39**
